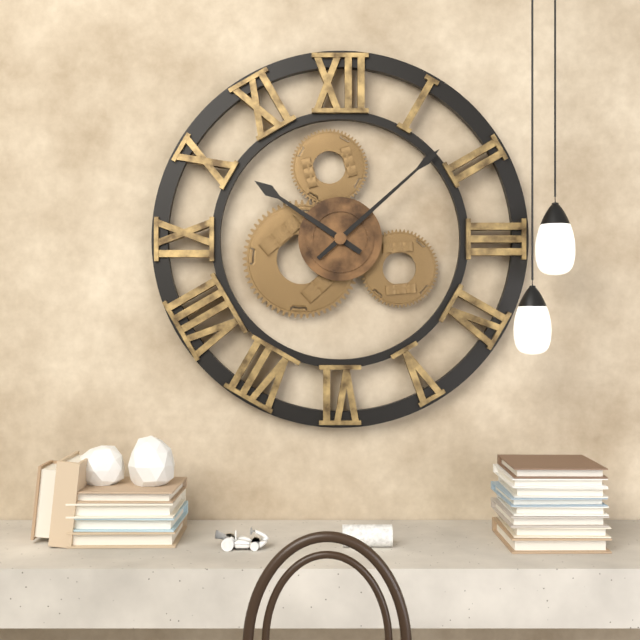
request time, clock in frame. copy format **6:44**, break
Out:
**10:08**
